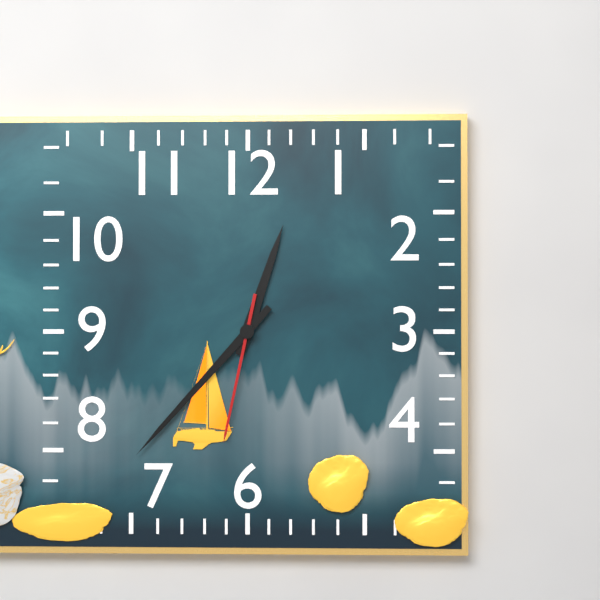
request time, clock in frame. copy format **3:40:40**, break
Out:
**12:37:32**
